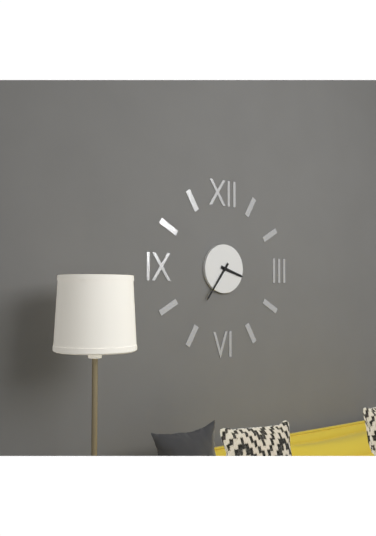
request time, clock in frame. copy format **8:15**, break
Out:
**3:36**
